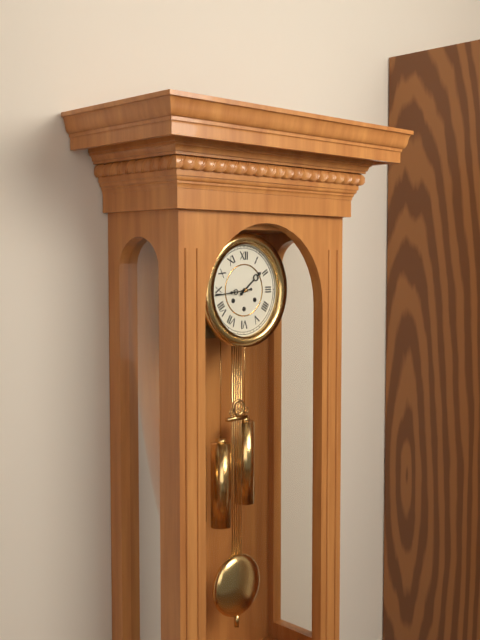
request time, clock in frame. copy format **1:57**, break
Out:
**1:44**
